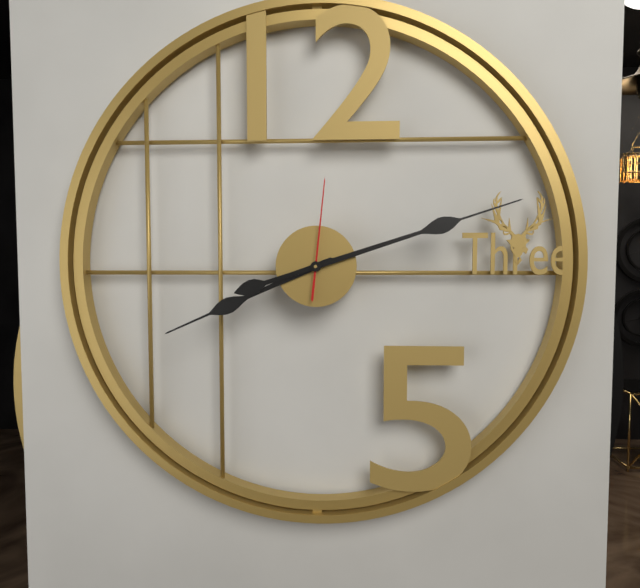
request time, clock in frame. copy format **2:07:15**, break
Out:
**8:12:01**
